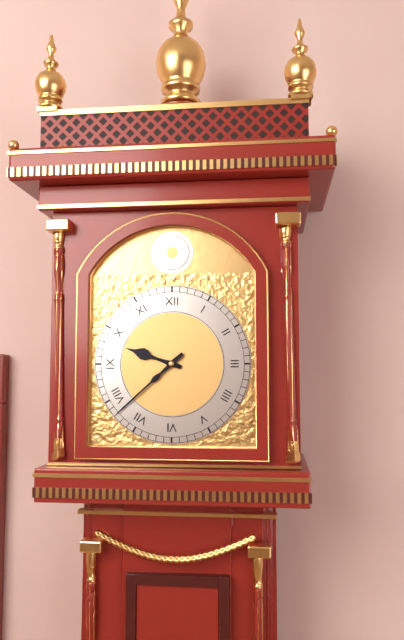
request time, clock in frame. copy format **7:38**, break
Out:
**9:38**
